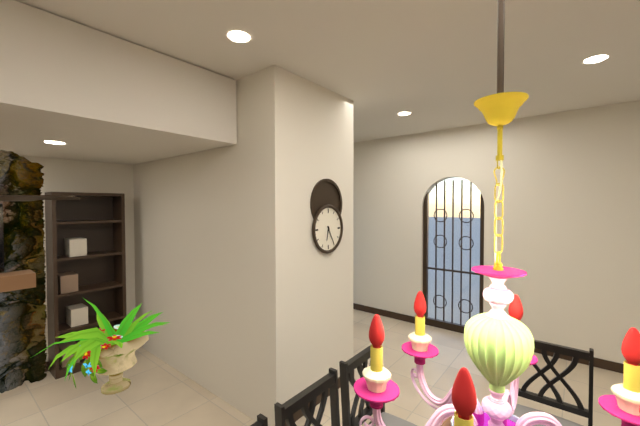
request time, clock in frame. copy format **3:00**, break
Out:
**6:25**
